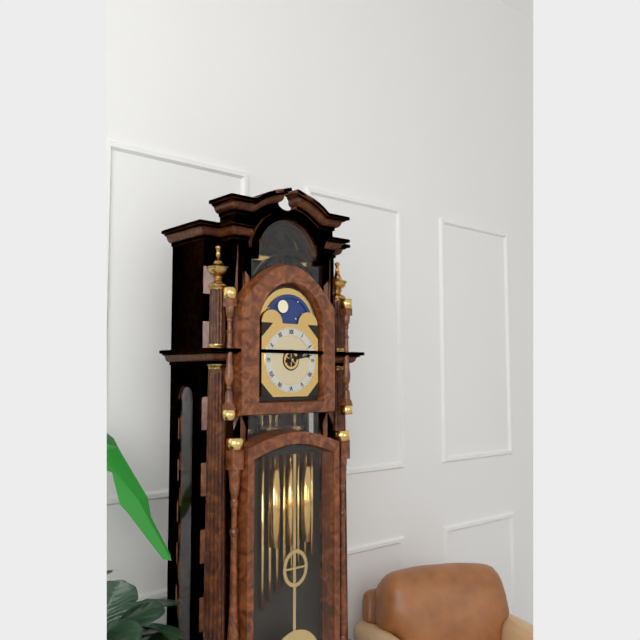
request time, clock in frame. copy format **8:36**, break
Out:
**2:13**
